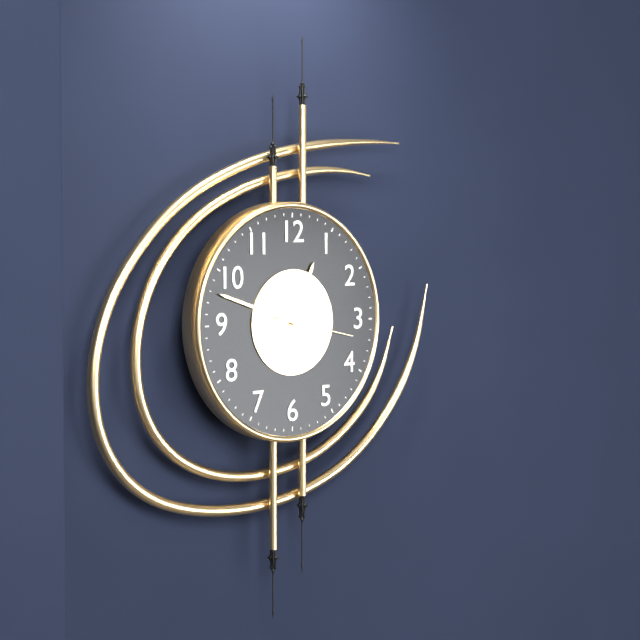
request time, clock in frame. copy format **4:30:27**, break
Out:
**12:48:17**
